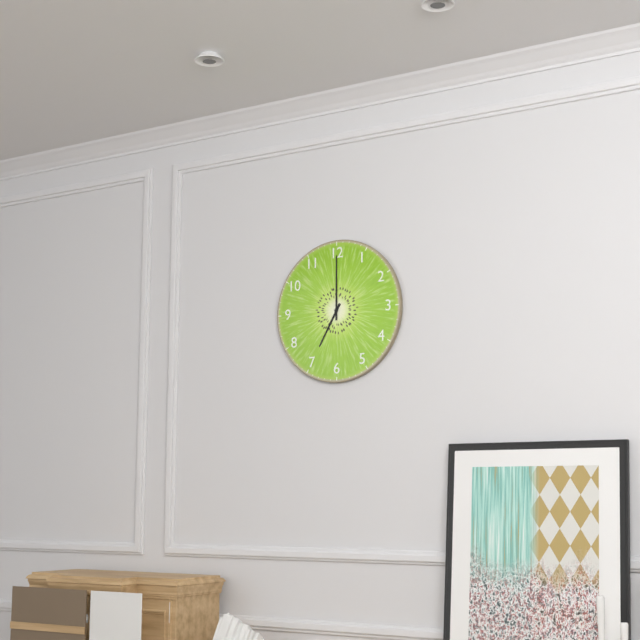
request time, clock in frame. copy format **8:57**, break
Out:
**7:00**
